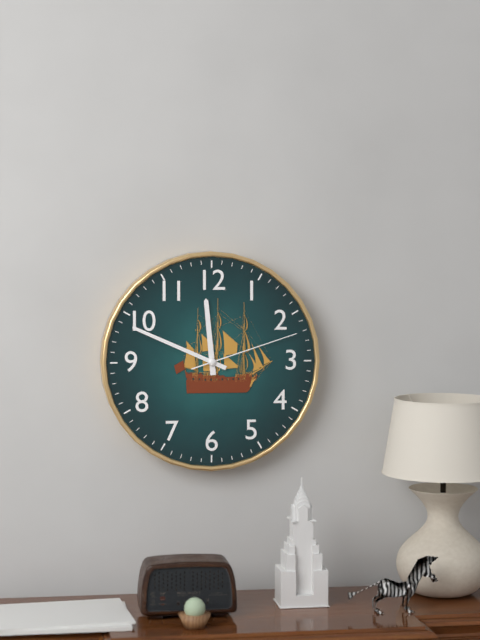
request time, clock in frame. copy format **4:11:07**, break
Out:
**11:49:12**
